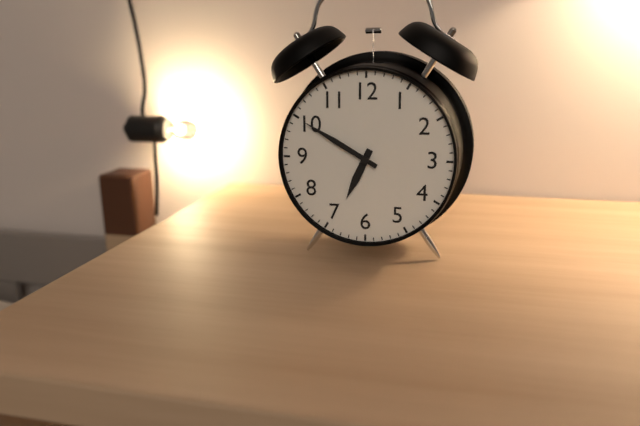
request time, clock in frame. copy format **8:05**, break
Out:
**6:50**
